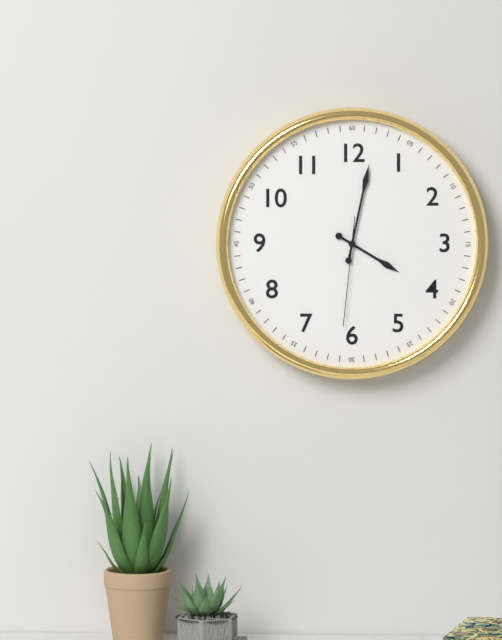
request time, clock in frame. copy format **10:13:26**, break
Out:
**4:02:31**
